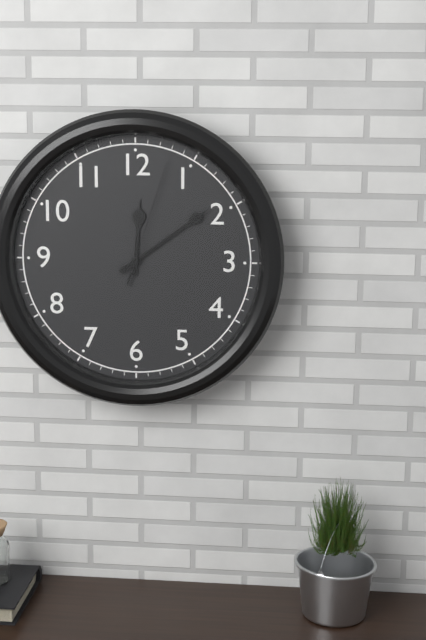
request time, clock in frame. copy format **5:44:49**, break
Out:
**12:09:03**
